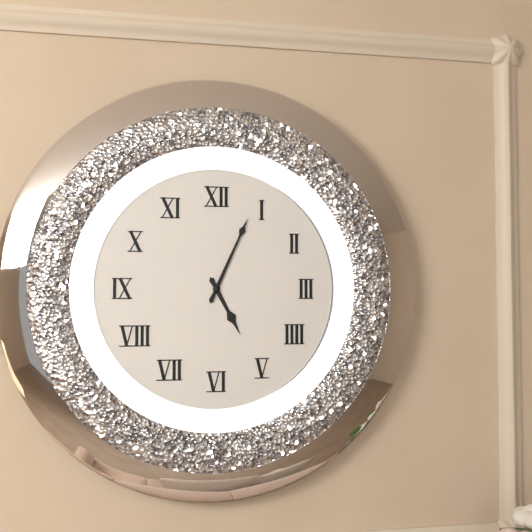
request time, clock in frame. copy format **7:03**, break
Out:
**5:04**
